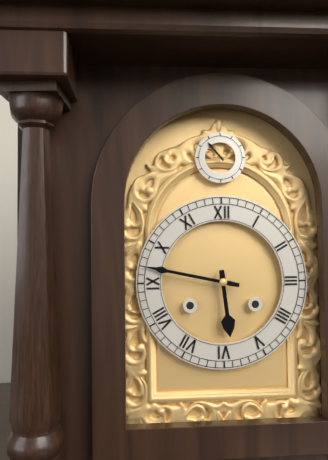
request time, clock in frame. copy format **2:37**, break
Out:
**5:47**
